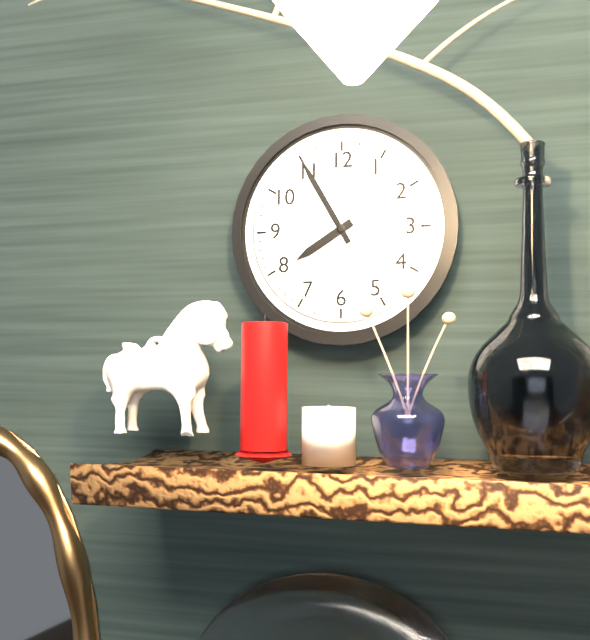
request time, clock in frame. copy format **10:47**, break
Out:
**7:55**
